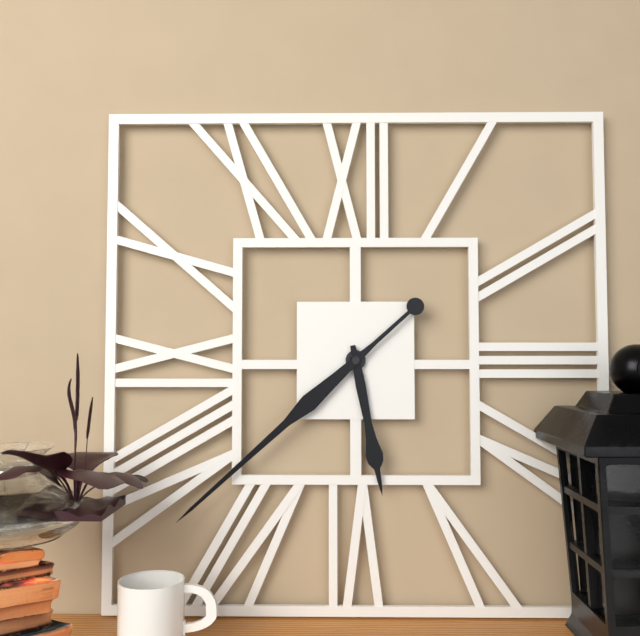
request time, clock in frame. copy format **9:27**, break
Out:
**5:38**
